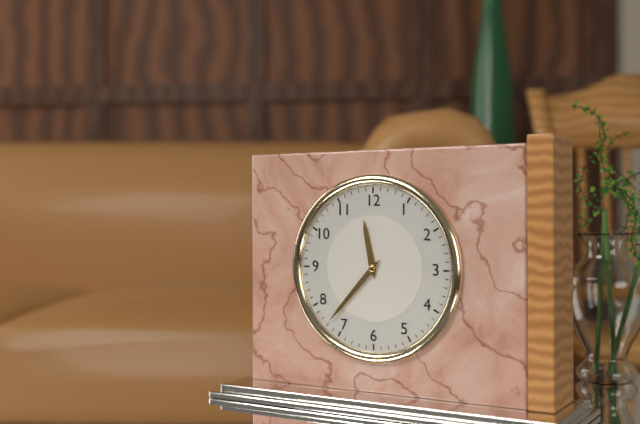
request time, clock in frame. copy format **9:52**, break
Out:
**11:37**
